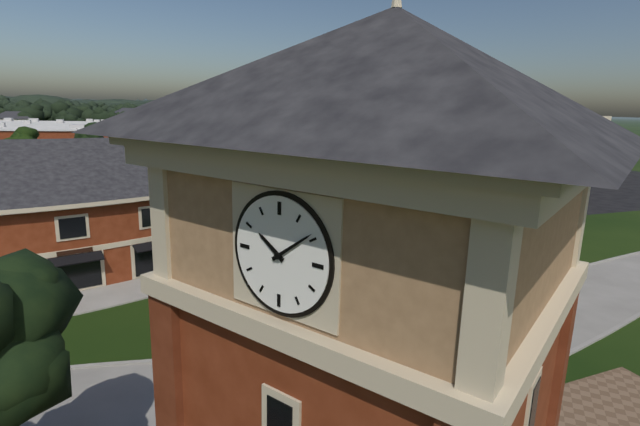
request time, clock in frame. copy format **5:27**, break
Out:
**10:09**
